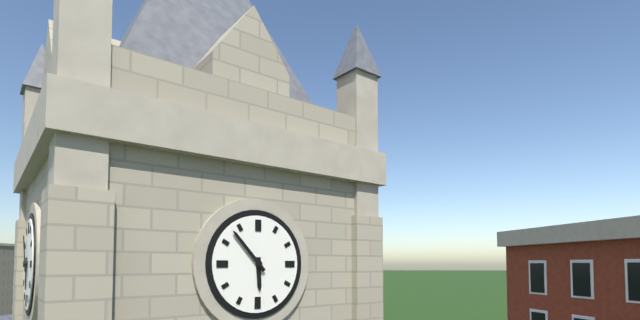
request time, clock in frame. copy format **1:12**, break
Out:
**5:53**
